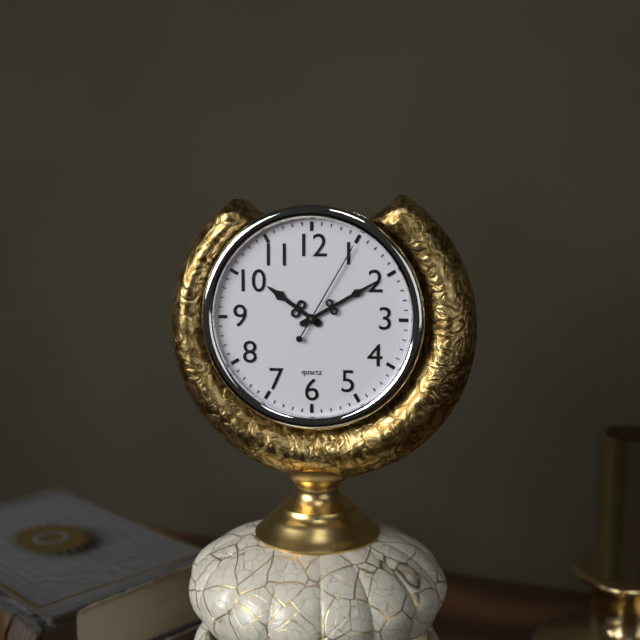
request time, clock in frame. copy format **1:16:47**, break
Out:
**10:10:05**
